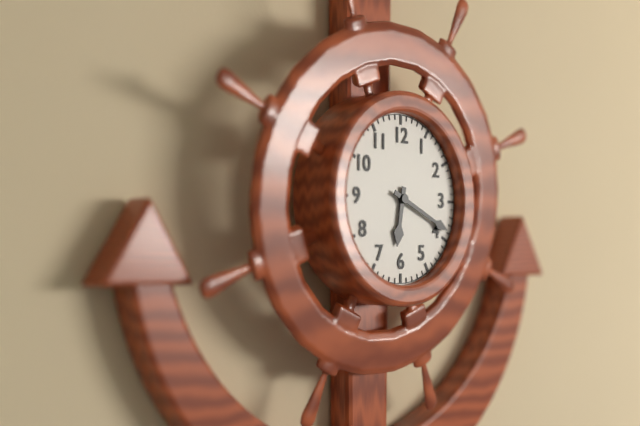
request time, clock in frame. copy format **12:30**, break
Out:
**6:19**
